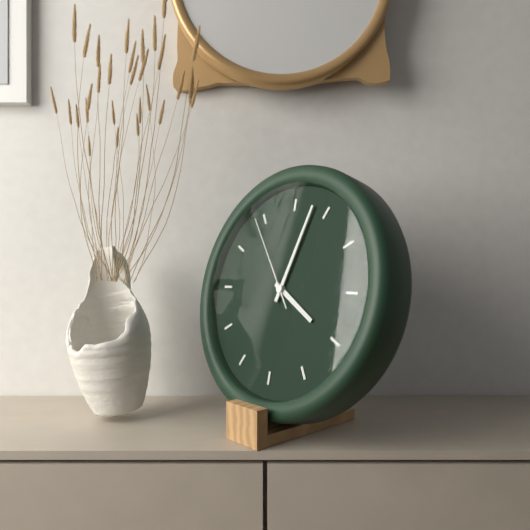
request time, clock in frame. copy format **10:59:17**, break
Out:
**4:03:54**
